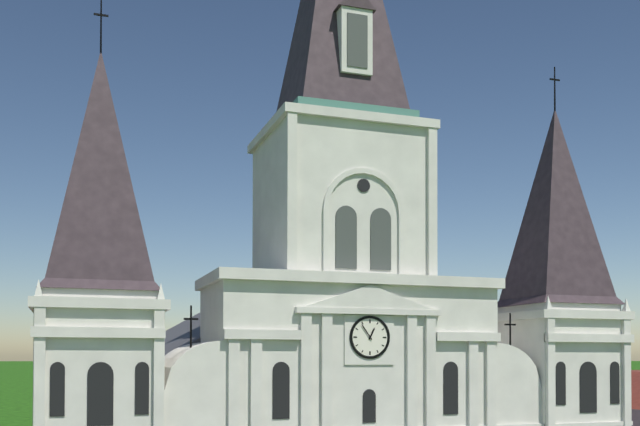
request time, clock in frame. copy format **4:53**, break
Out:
**12:54**
